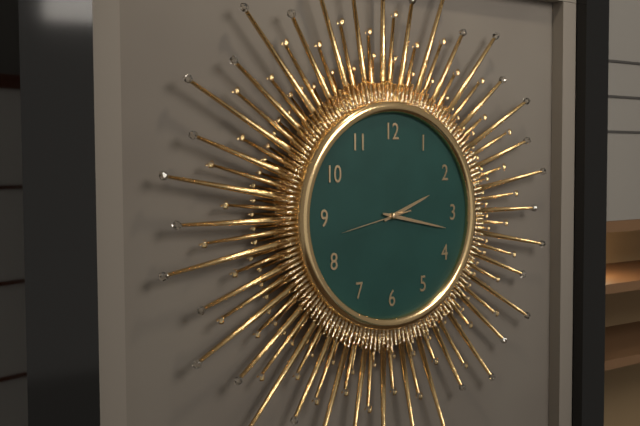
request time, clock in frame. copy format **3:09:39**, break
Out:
**2:17:43**
